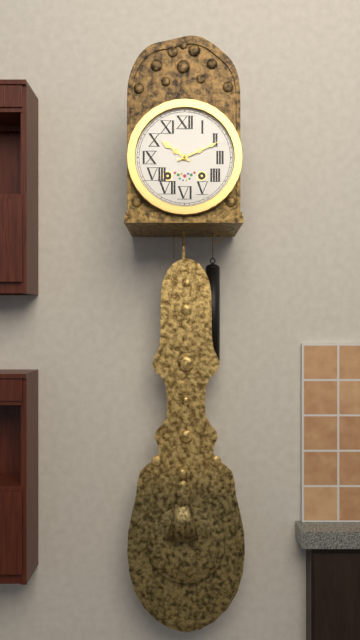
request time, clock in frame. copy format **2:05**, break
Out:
**10:11**
